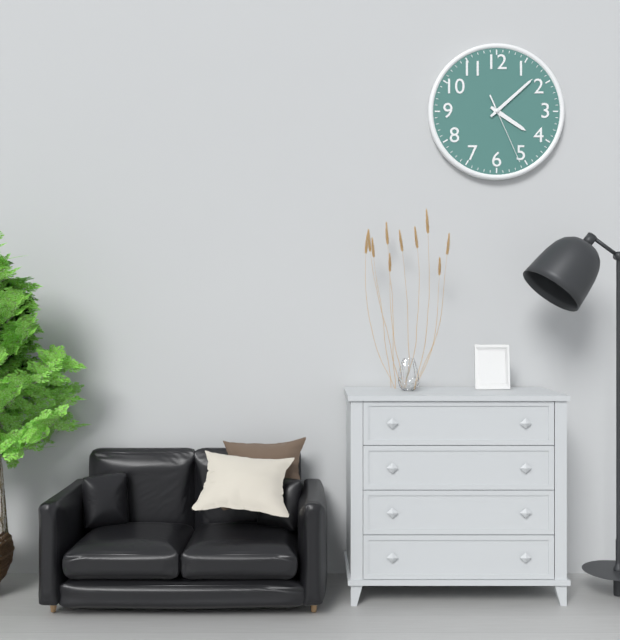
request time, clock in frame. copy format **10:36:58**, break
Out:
**4:08:26**
